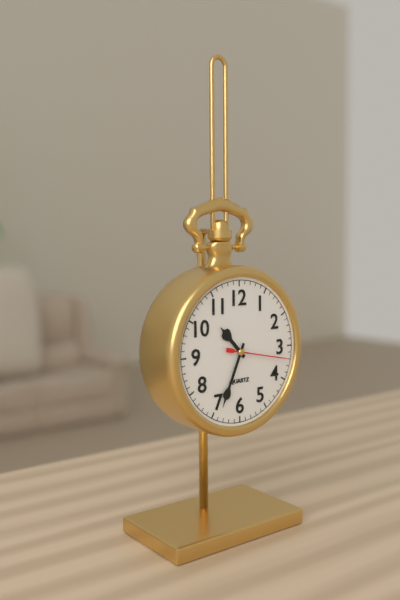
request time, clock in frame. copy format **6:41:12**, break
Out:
**10:34:17**
